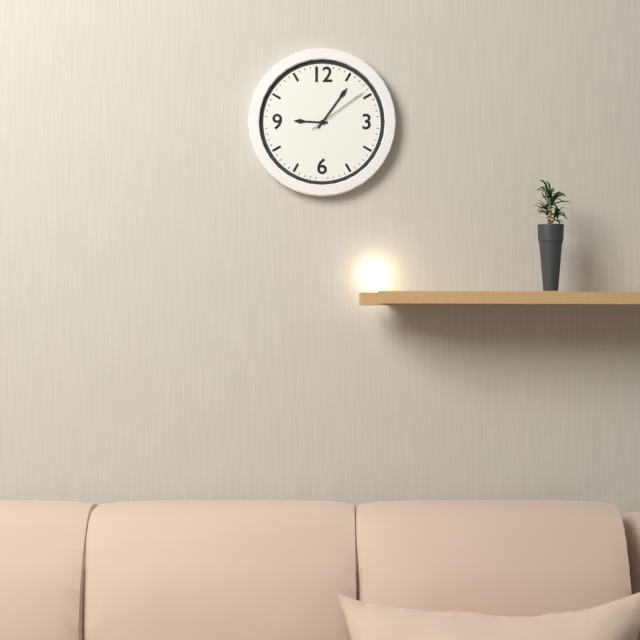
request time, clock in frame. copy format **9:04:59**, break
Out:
**9:06:09**
